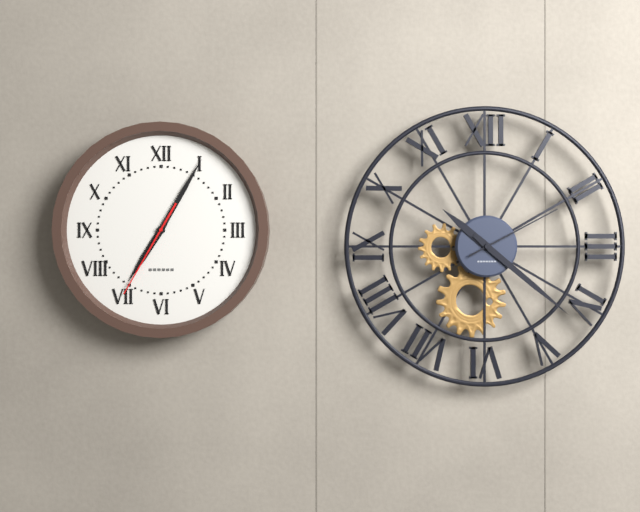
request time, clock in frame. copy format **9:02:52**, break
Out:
**7:05:35**
